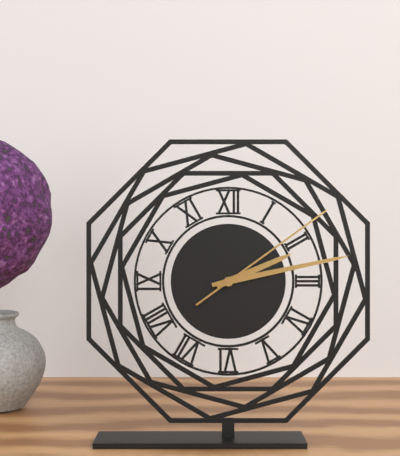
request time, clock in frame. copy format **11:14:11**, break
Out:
**2:13:09**
